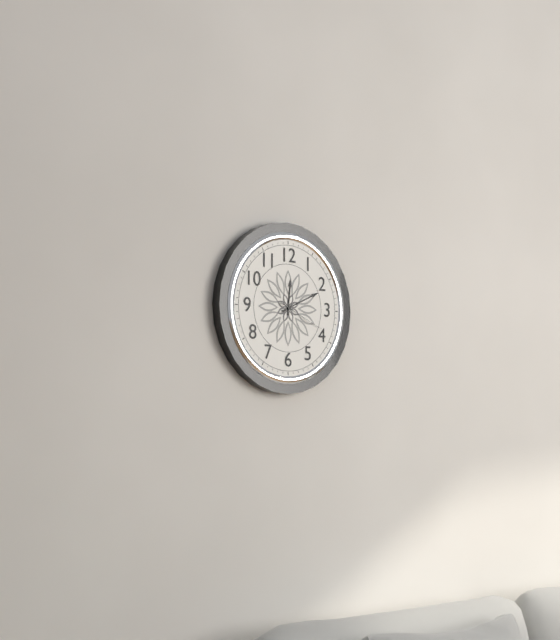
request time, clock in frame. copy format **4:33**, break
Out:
**12:11**
